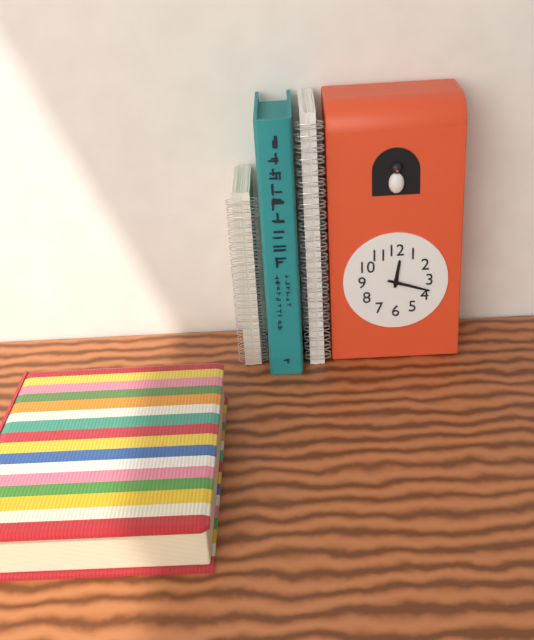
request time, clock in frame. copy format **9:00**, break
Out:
**12:18**
